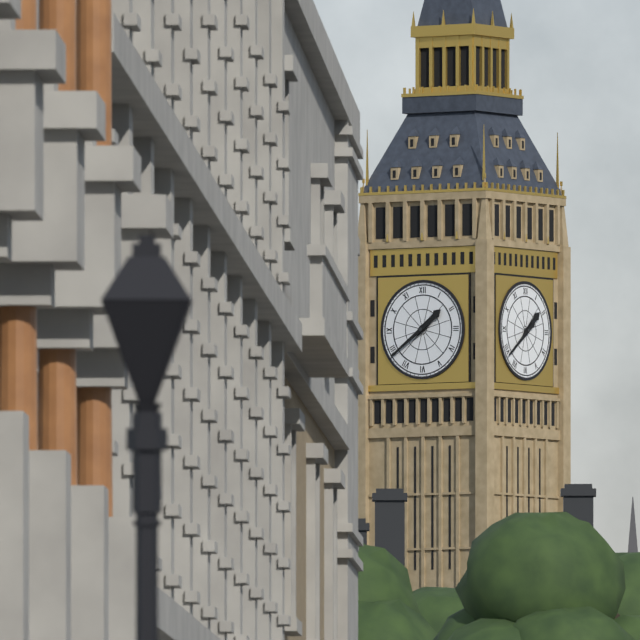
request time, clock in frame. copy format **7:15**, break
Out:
**1:39**
